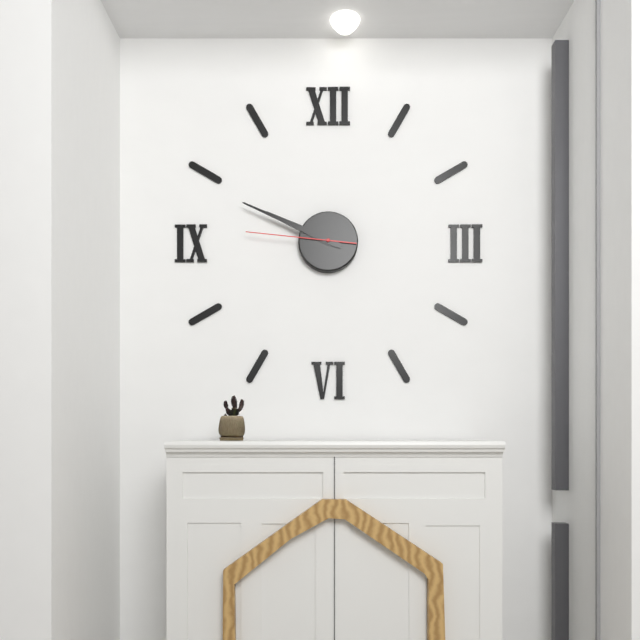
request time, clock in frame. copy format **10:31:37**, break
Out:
**9:49:46**
